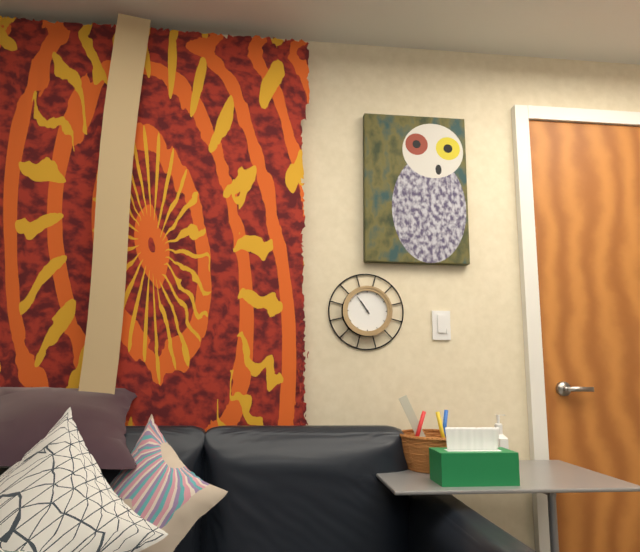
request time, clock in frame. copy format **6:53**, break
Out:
**10:54**
